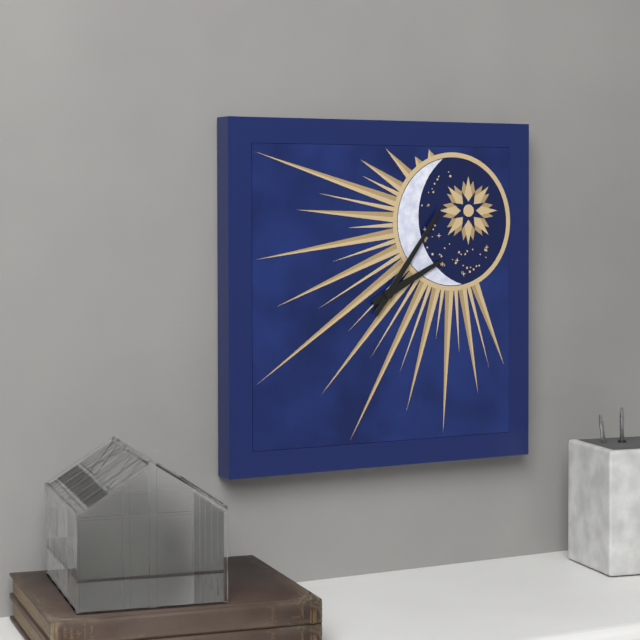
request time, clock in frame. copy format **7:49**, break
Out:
**2:06**
